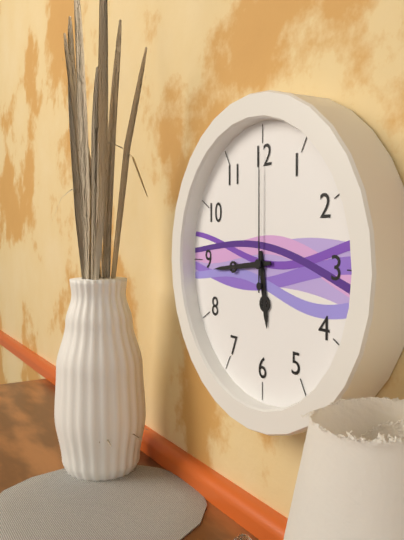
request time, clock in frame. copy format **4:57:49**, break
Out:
**5:44:00**
